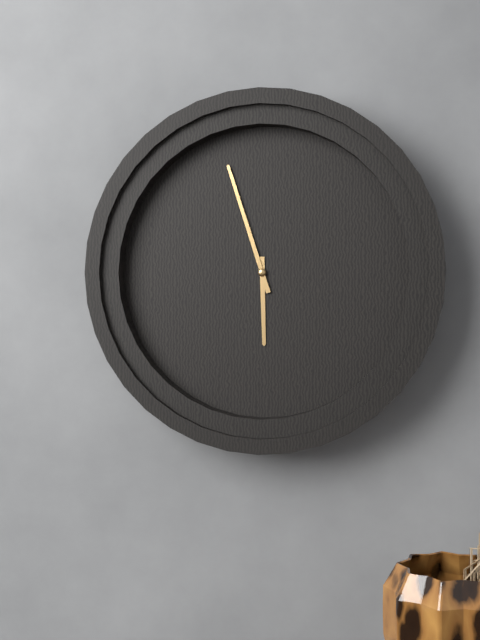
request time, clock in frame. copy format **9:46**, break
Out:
**5:57**
